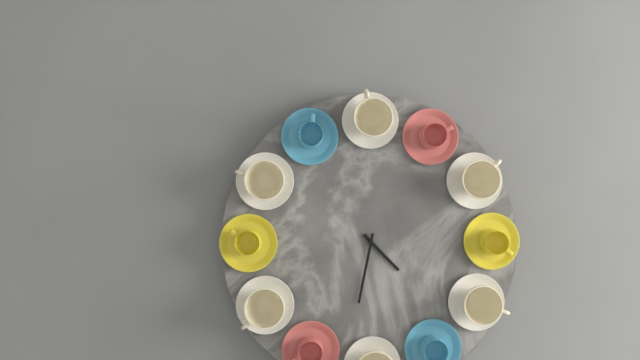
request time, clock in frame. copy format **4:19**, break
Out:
**4:32**
